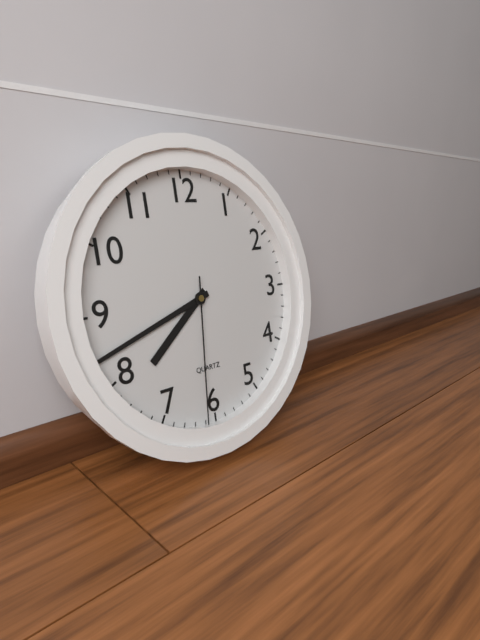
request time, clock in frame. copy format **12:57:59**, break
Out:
**7:42:31**
